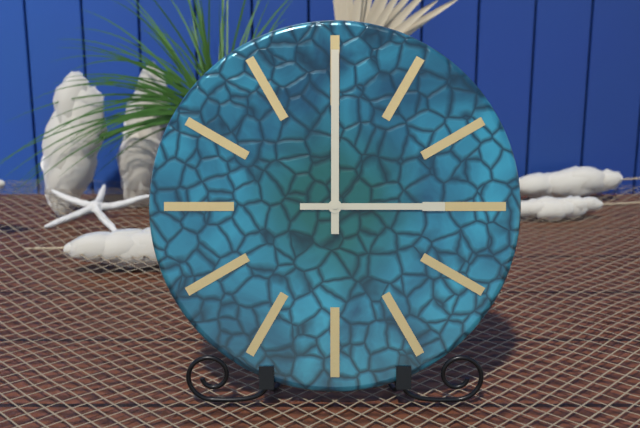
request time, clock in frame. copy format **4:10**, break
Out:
**3:00**
